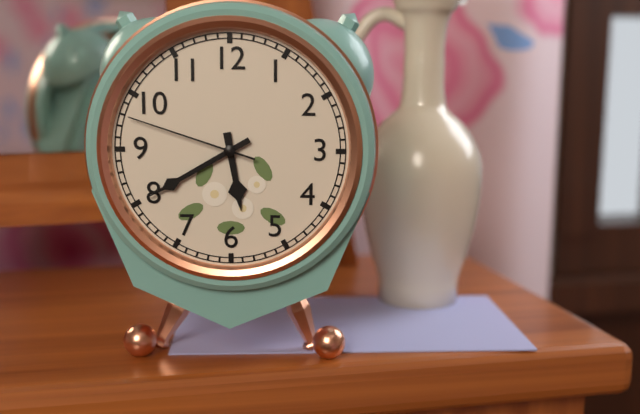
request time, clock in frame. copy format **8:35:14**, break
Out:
**5:40:48**
